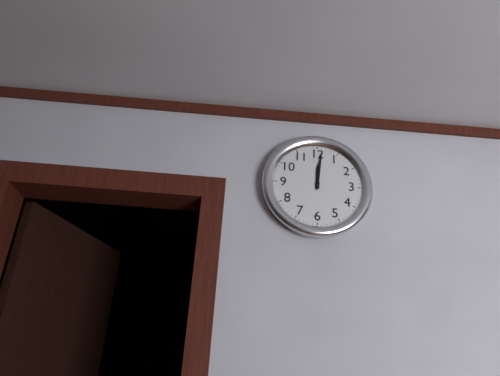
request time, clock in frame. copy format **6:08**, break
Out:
**12:01**
